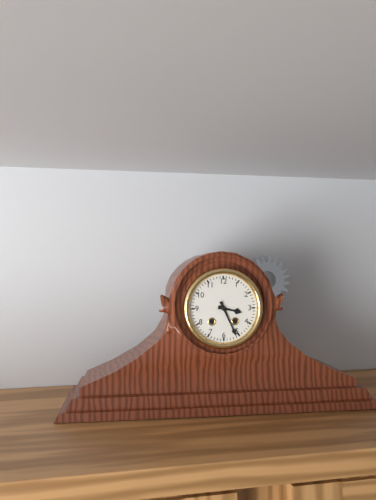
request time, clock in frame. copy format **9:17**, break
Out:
**3:26**
